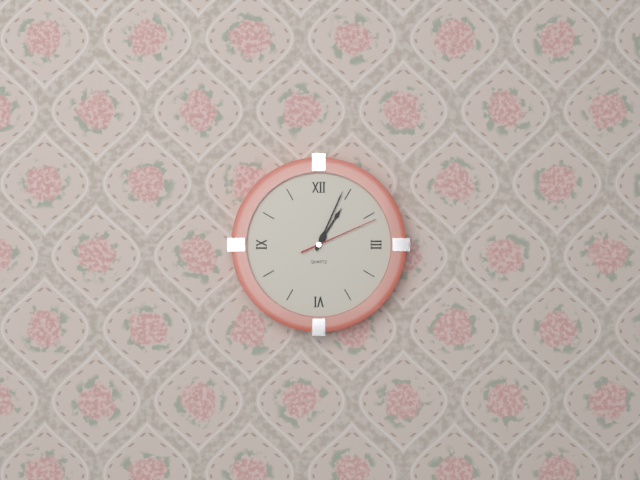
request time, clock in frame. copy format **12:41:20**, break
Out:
**1:04:11**
